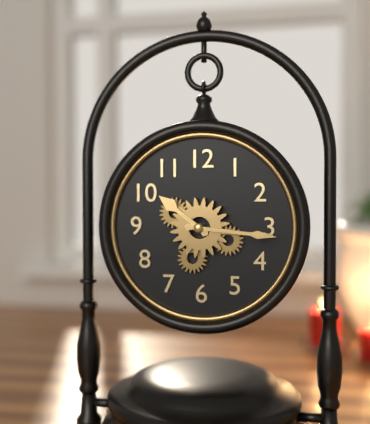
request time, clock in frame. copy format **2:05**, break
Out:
**10:16**
